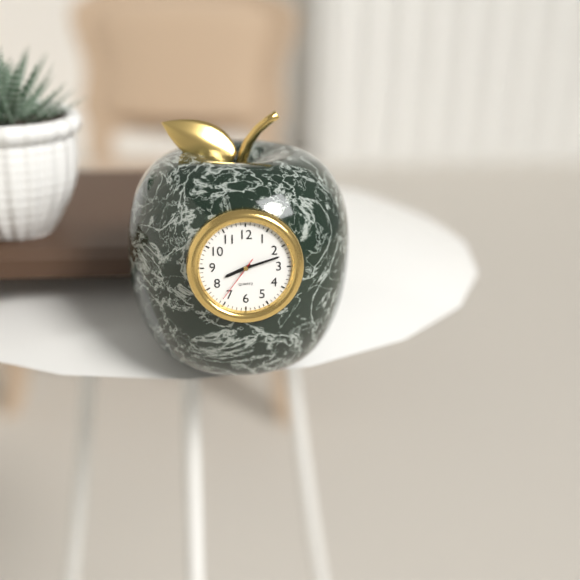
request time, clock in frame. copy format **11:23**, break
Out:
**8:12**
